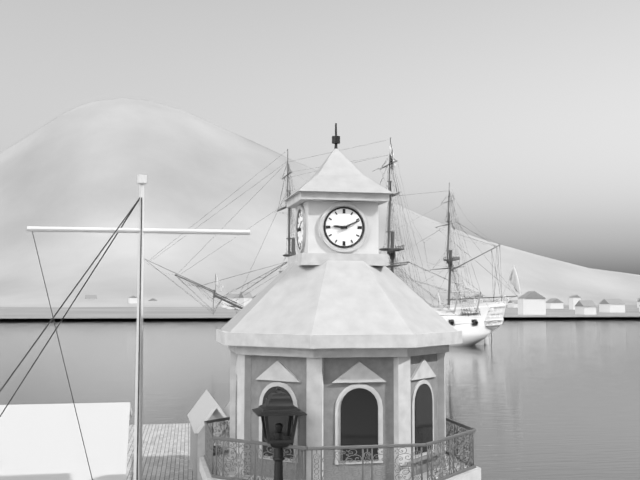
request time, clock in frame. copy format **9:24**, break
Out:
**9:11**
